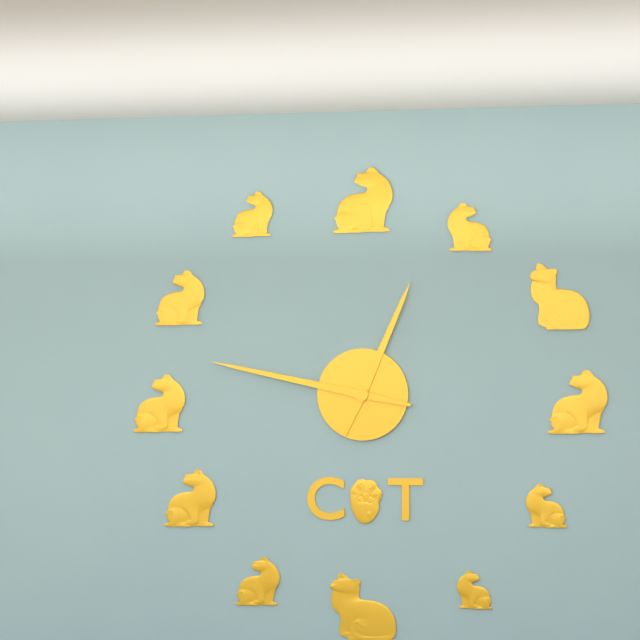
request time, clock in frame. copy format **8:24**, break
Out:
**12:47**
